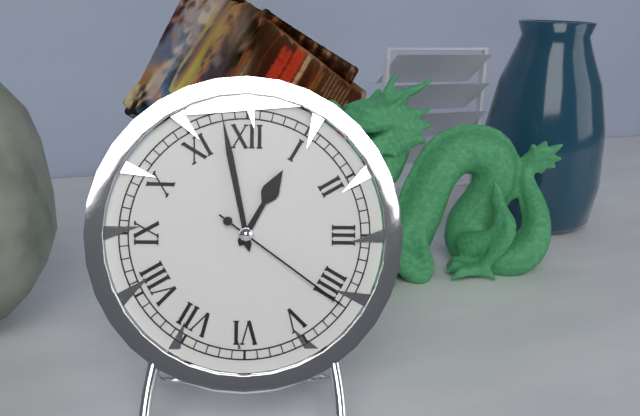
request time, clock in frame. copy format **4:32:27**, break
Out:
**12:58:21**
